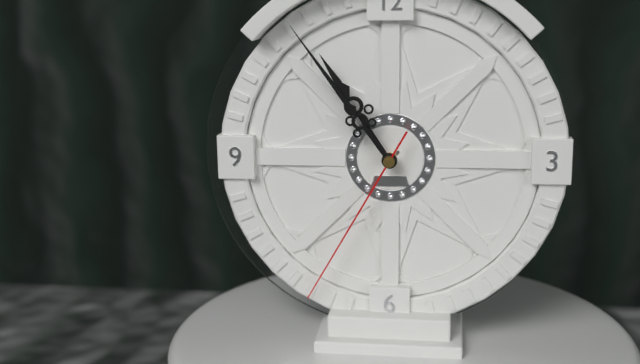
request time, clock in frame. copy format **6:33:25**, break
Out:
**10:54:35**
